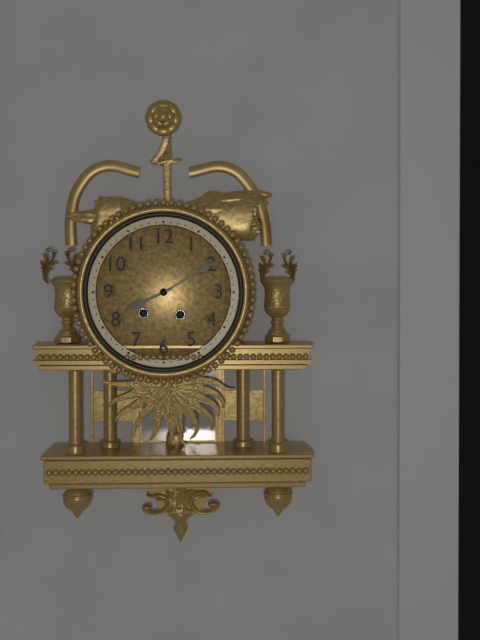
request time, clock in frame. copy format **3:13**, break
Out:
**8:10**
